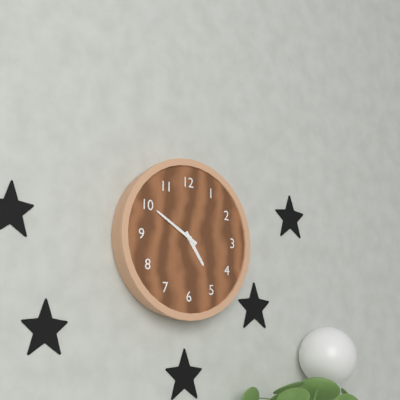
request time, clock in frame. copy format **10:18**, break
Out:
**4:50**
